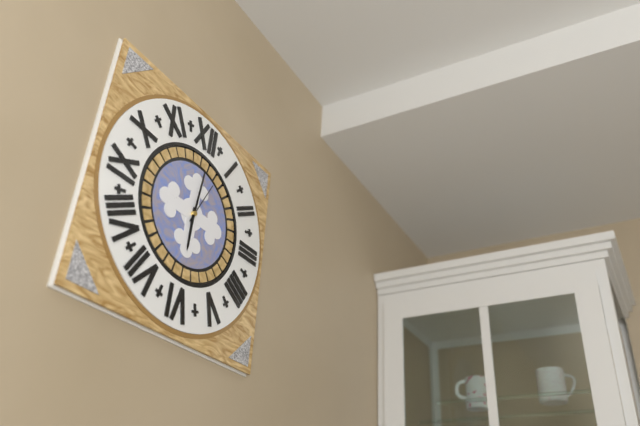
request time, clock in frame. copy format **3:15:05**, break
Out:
**6:01:04**
